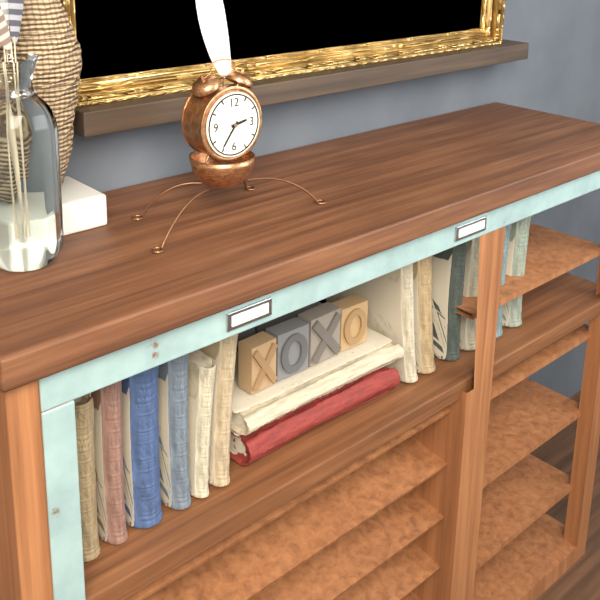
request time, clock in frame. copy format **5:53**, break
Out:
**2:36**
